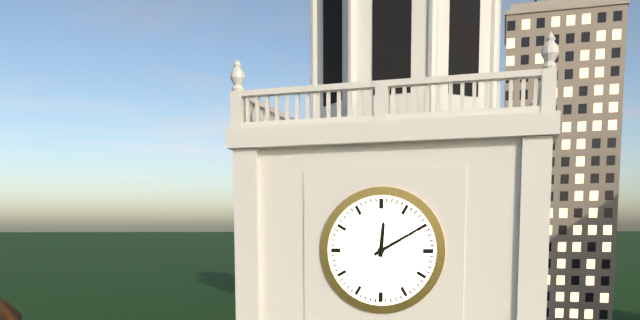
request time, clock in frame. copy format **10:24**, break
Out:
**12:10**
